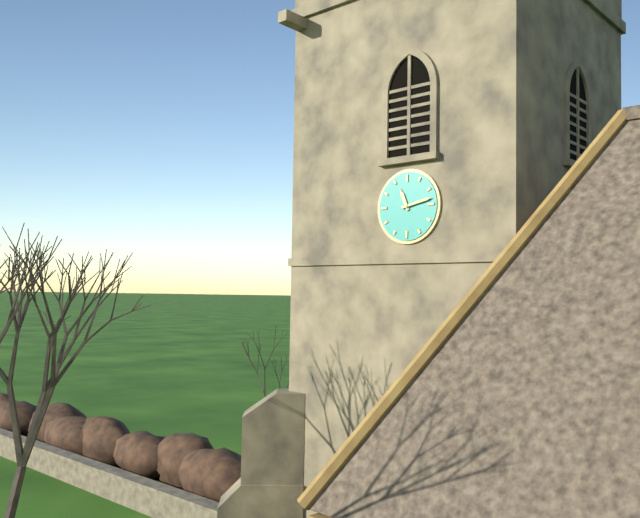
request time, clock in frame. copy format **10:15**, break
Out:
**11:13**
